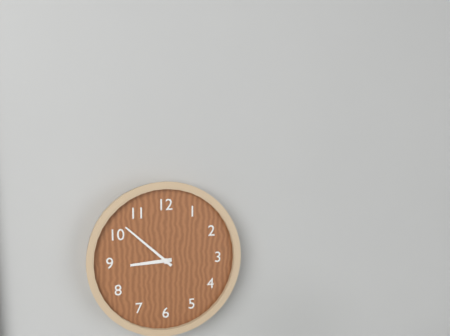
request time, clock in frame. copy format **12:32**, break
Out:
**8:52**
